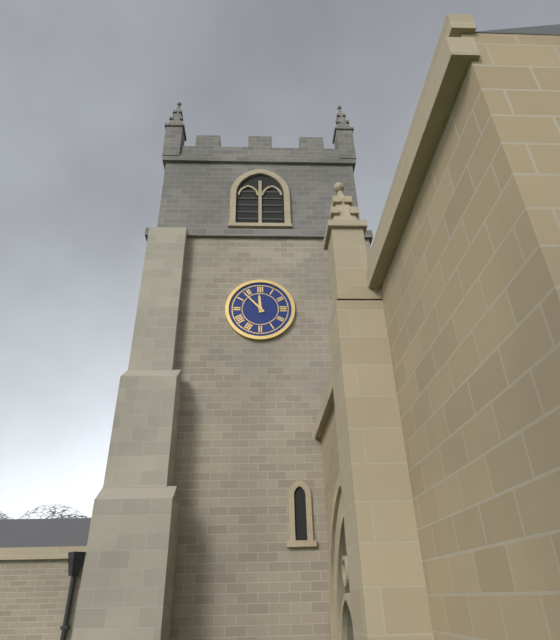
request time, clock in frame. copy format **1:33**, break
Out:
**11:53**
